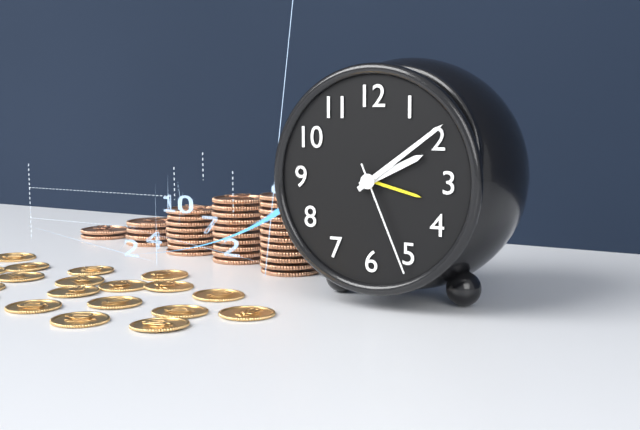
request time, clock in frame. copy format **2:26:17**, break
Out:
**2:09:26**
